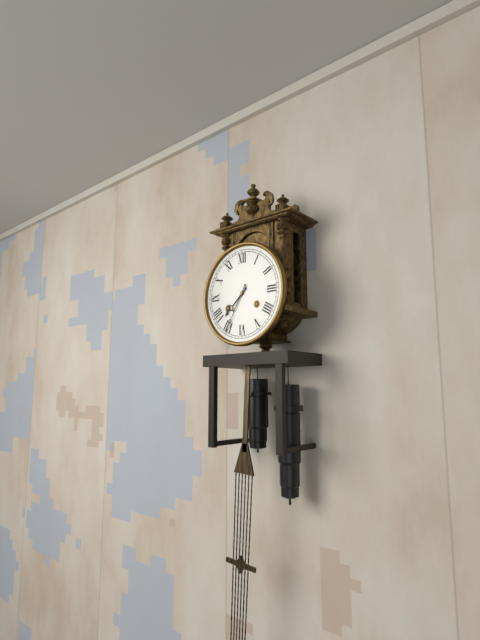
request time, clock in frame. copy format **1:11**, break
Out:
**7:35**
